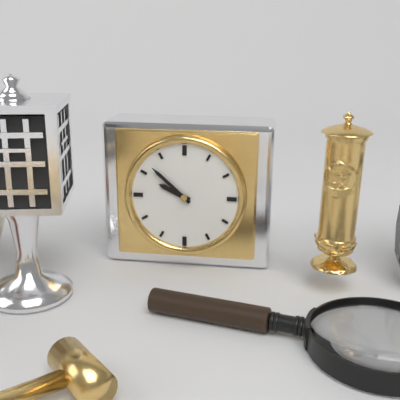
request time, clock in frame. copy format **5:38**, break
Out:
**9:52**
